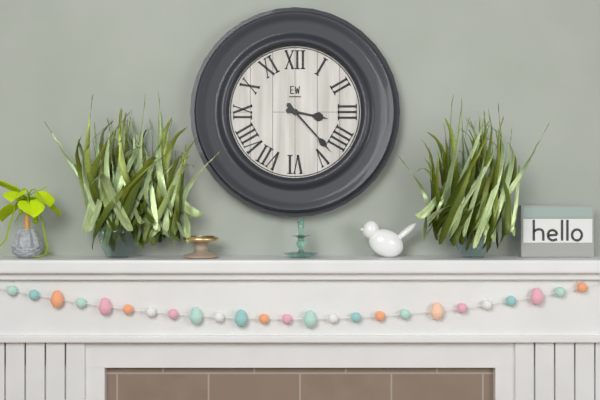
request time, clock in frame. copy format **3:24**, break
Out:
**3:23**
